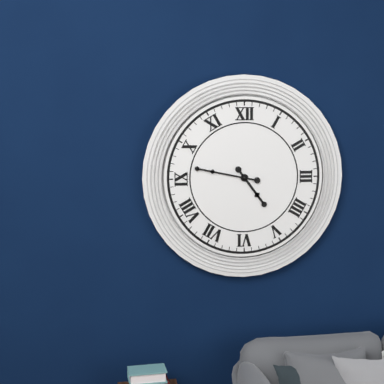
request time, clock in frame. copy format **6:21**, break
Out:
**4:47**
